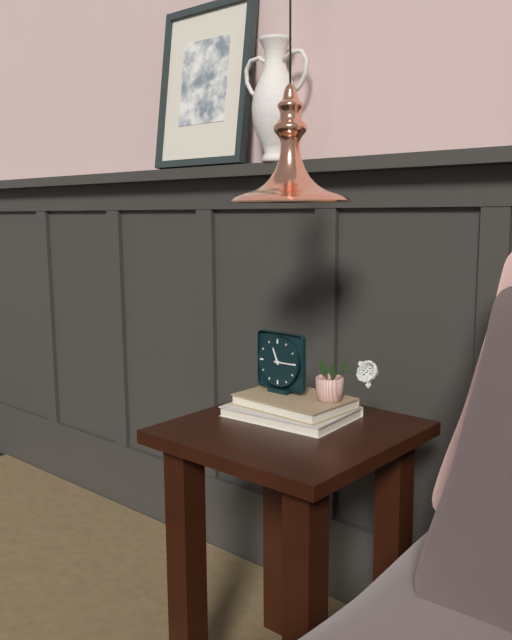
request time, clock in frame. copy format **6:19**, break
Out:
**11:15**
